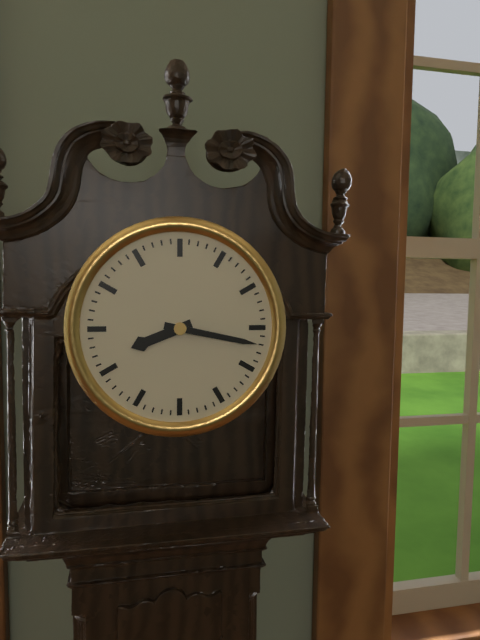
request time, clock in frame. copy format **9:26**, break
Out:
**8:17**
